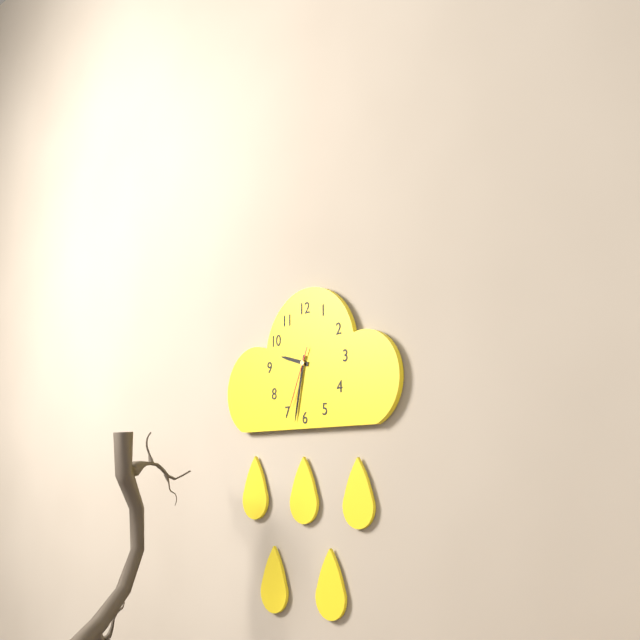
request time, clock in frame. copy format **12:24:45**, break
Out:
**9:32:34**
